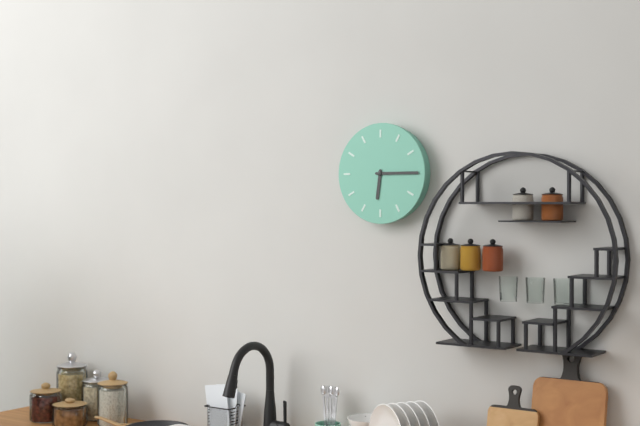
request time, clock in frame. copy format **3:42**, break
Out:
**6:15**
